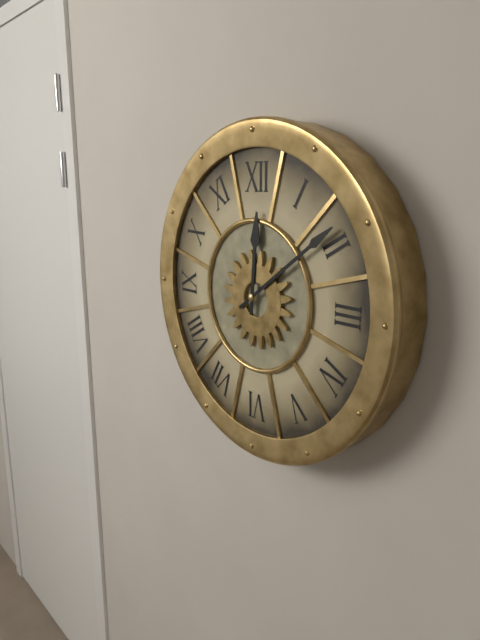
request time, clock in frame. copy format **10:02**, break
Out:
**12:09**
